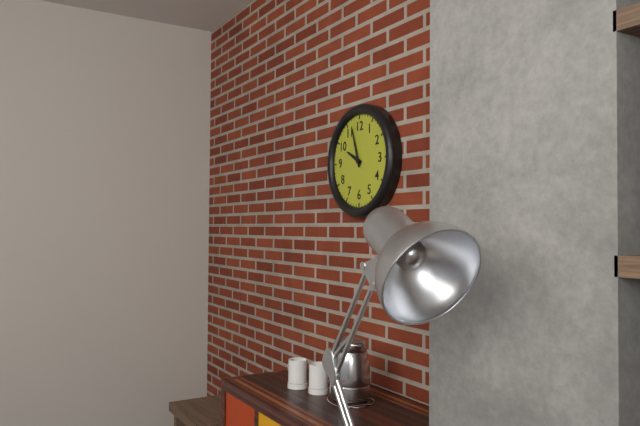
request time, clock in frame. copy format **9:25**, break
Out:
**9:57**
